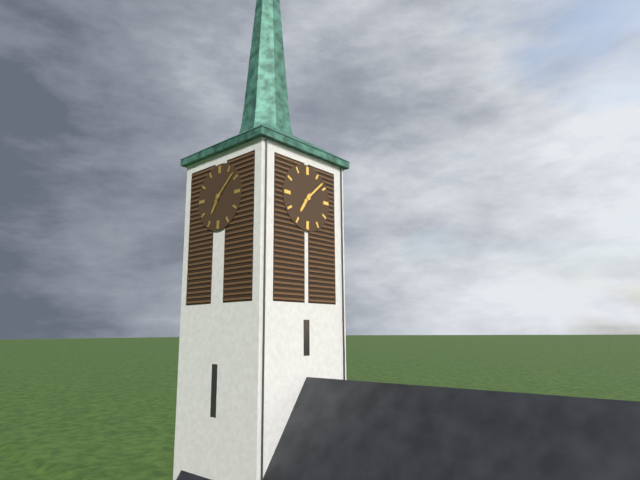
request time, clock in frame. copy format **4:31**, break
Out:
**7:08**
